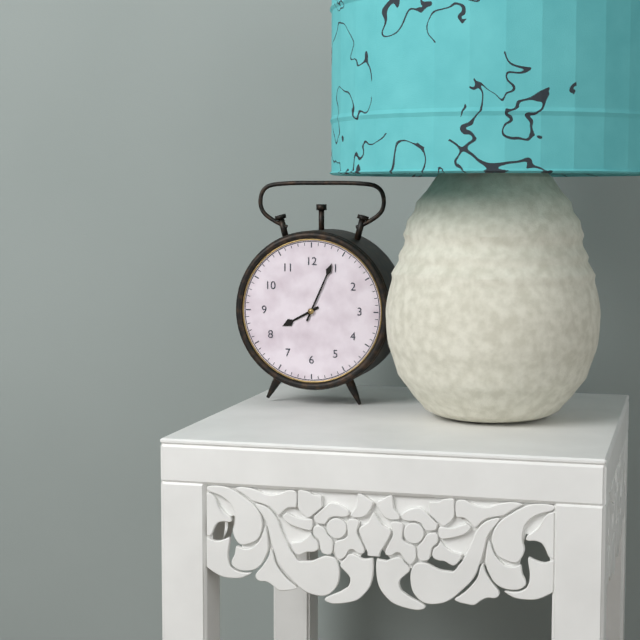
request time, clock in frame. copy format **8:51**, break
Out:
**8:04**
